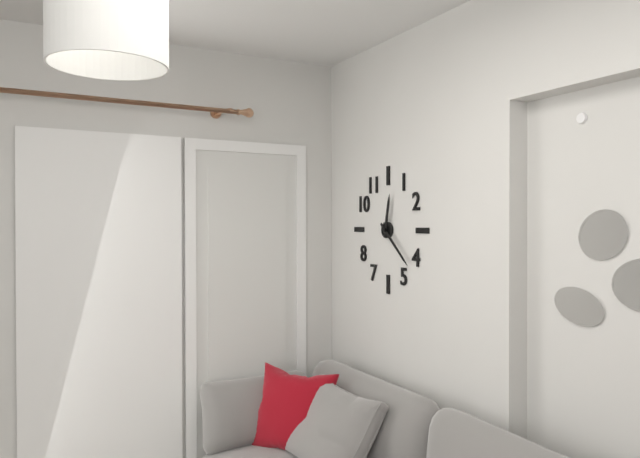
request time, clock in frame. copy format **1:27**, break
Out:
**12:22**
